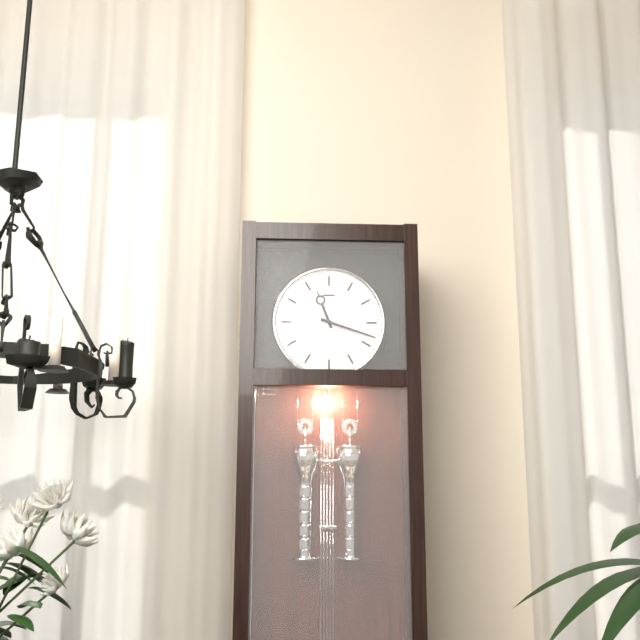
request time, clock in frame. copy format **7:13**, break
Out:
**11:18**
